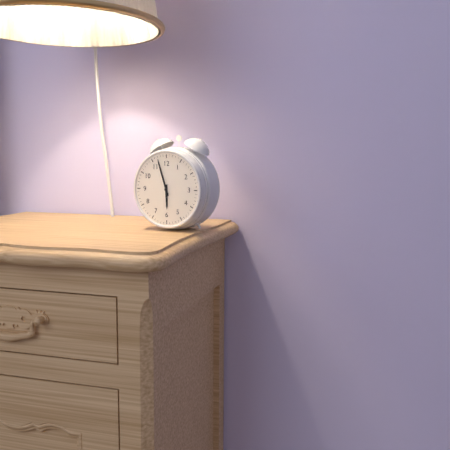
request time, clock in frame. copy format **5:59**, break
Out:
**5:57**
